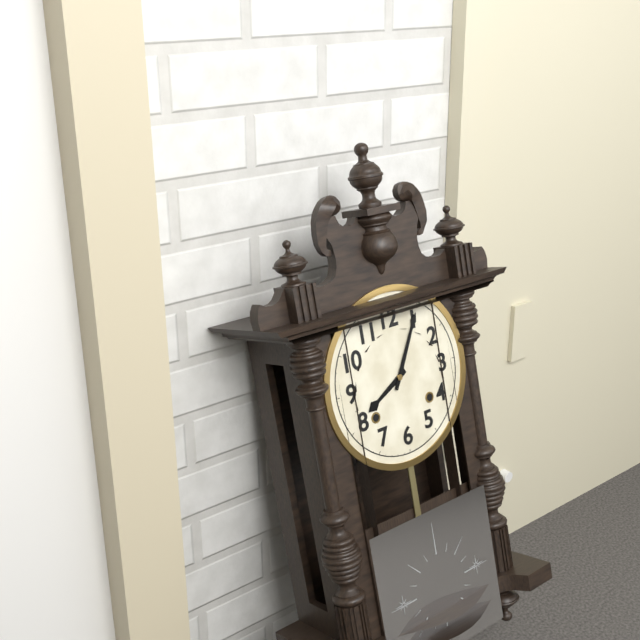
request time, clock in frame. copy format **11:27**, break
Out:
**8:05**
